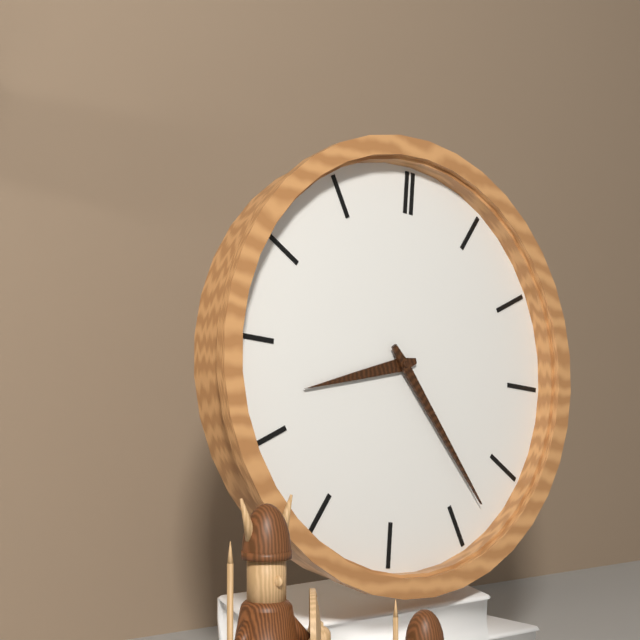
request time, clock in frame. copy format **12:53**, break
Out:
**8:23**
